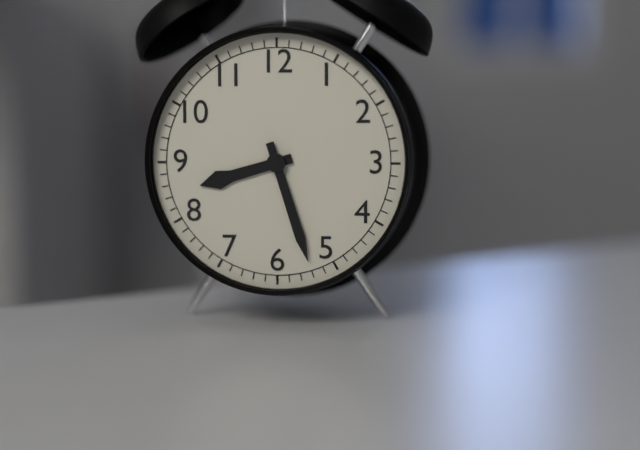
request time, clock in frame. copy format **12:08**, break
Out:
**8:27**
